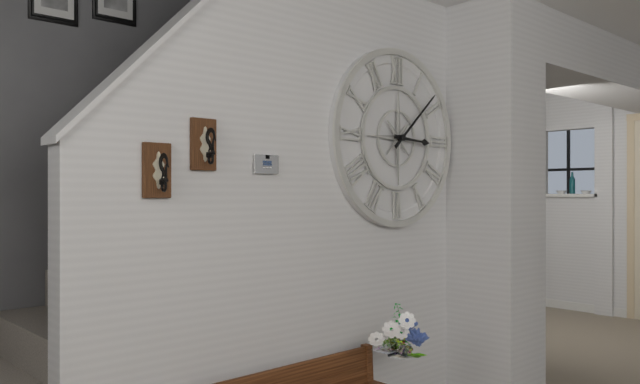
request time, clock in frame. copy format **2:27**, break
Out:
**3:08**
